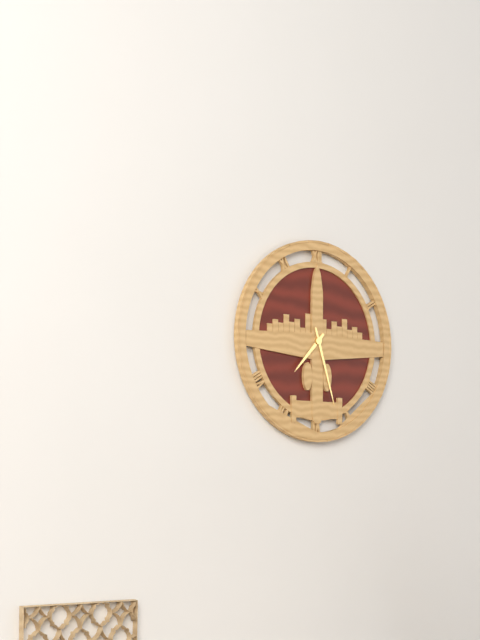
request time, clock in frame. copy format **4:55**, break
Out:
**7:27**
